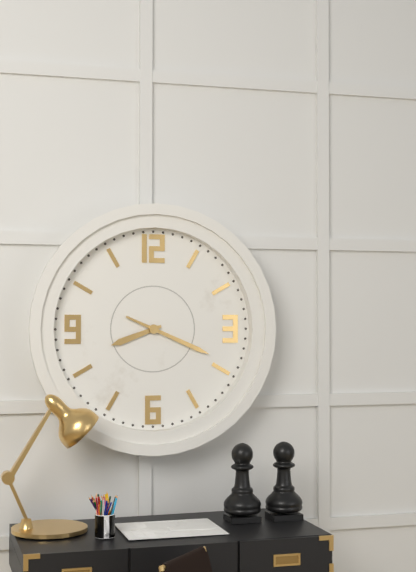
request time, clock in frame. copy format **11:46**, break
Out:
**8:19**
